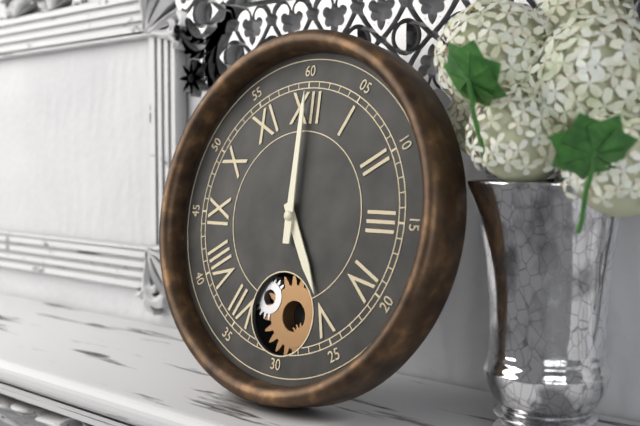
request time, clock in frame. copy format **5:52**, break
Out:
**5:00**
